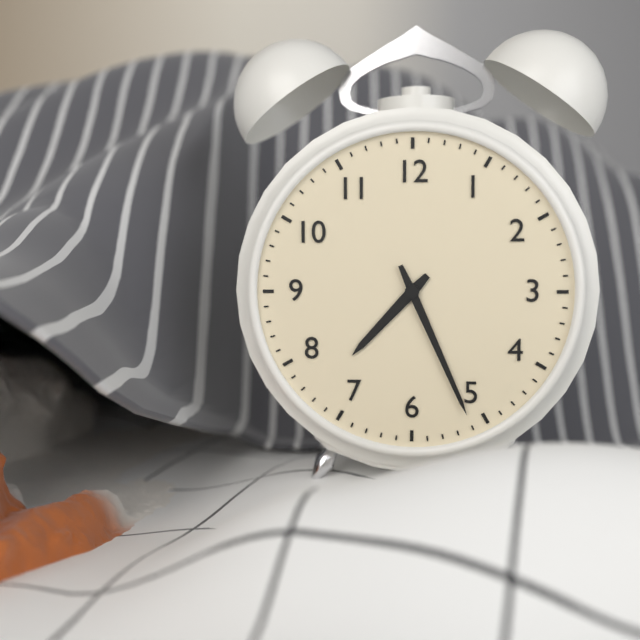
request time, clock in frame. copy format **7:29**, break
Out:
**7:26**
